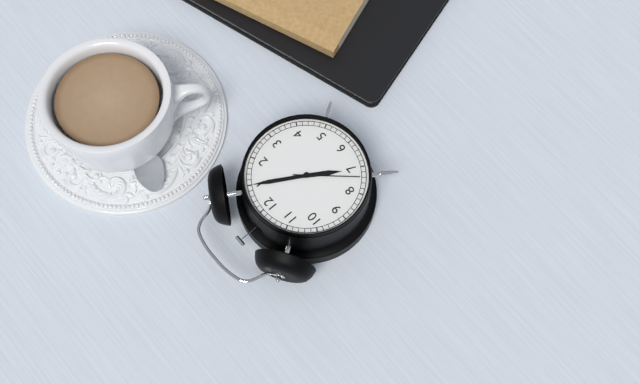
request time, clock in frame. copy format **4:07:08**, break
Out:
**7:05:37**
